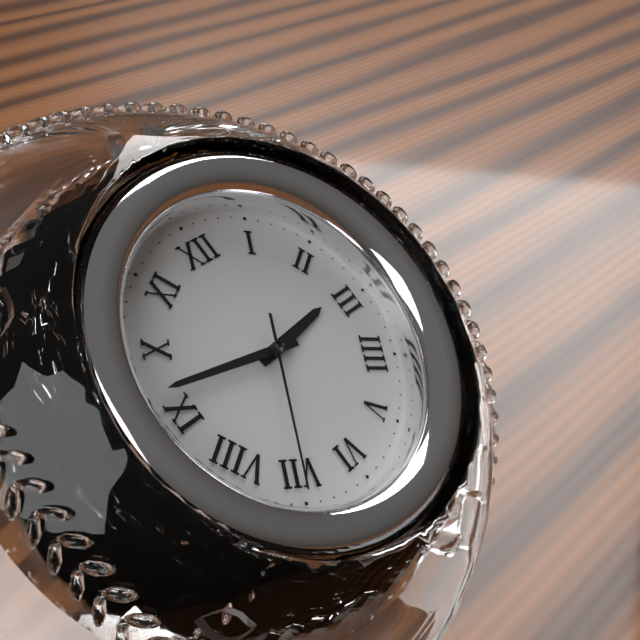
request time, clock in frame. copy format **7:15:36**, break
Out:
**2:47:35**
